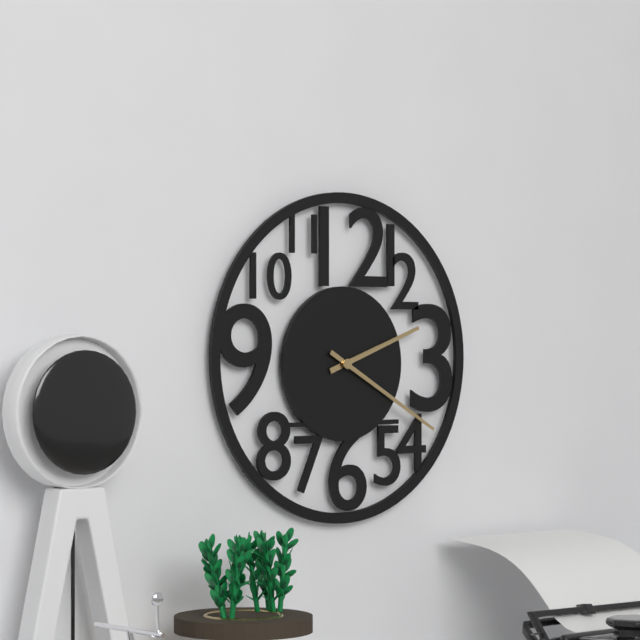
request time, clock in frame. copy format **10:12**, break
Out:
**2:20**
